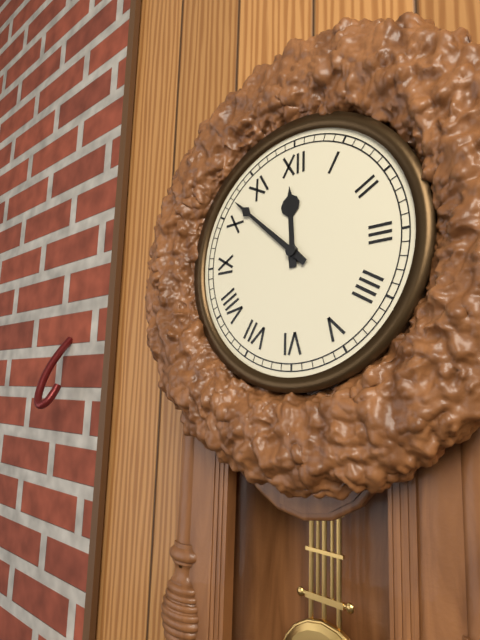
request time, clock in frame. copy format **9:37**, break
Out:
**11:52**
